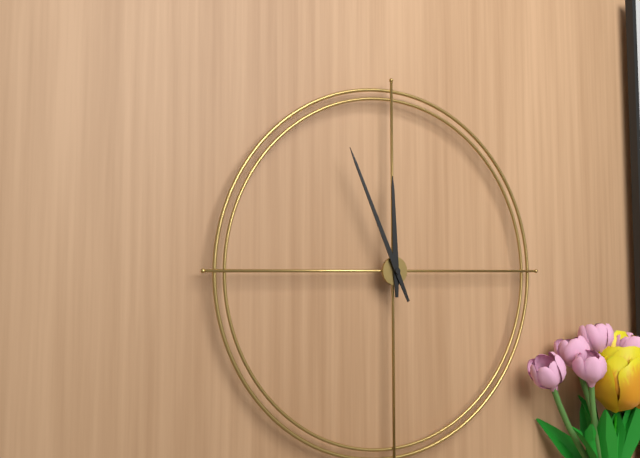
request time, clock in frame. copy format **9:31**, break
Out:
**11:56**
